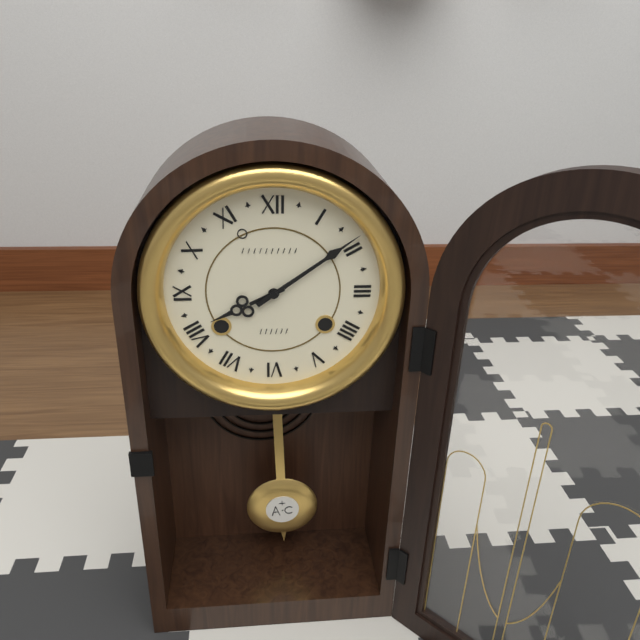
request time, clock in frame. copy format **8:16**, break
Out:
**8:09**
